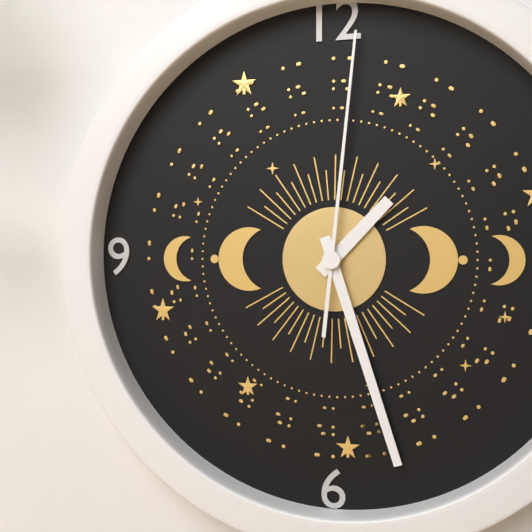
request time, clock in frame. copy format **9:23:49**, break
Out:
**1:27:01**
